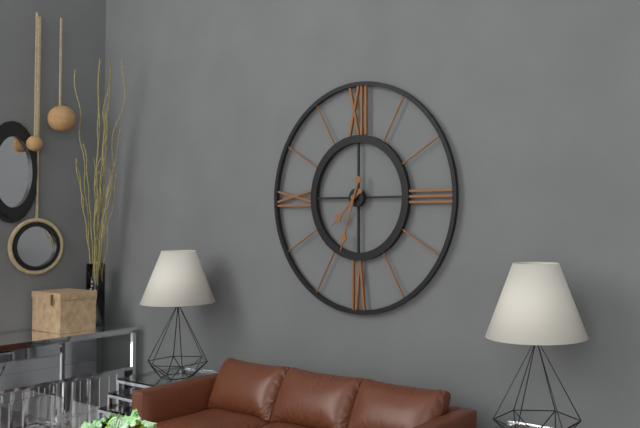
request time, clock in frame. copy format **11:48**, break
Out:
**7:33**
